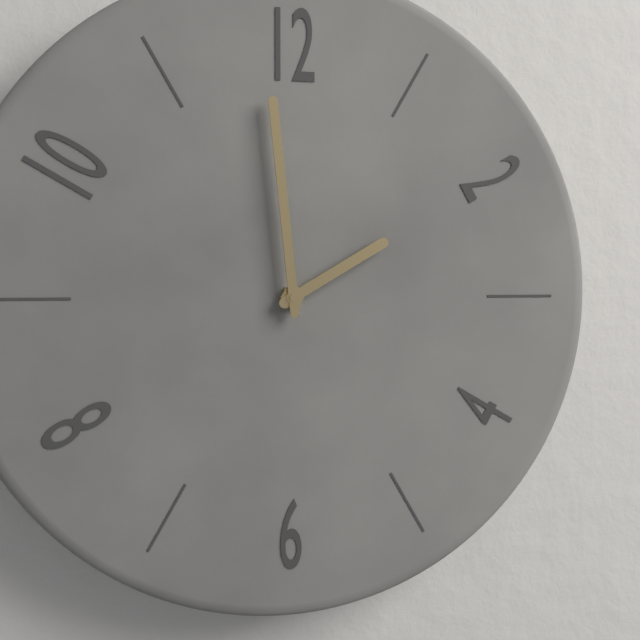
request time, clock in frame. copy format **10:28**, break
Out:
**1:59**
